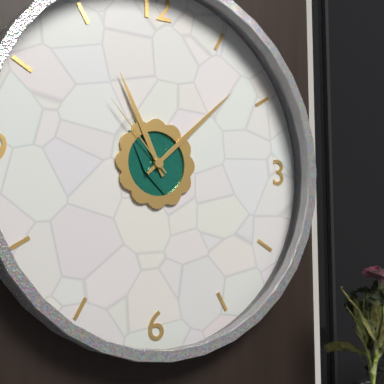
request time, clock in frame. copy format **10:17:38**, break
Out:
**11:08:53**
